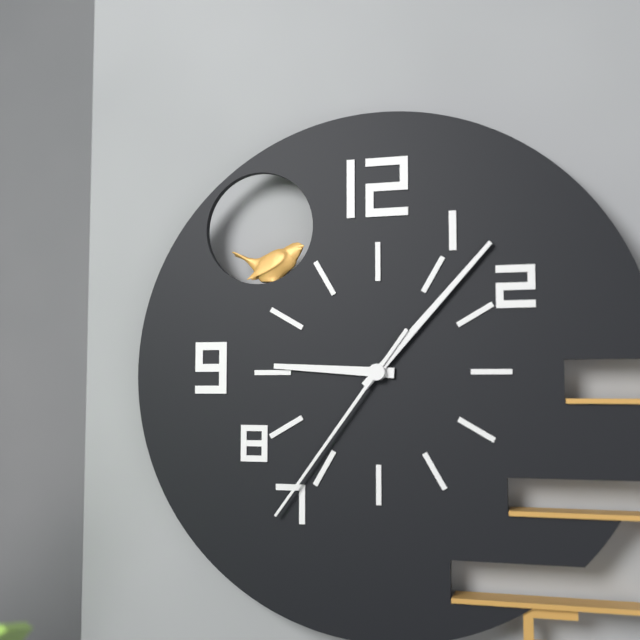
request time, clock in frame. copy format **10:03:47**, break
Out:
**9:07:36**
